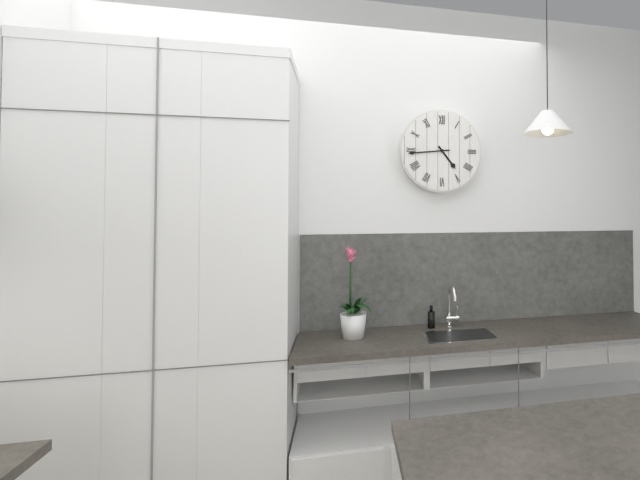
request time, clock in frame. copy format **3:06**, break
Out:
**4:44**
